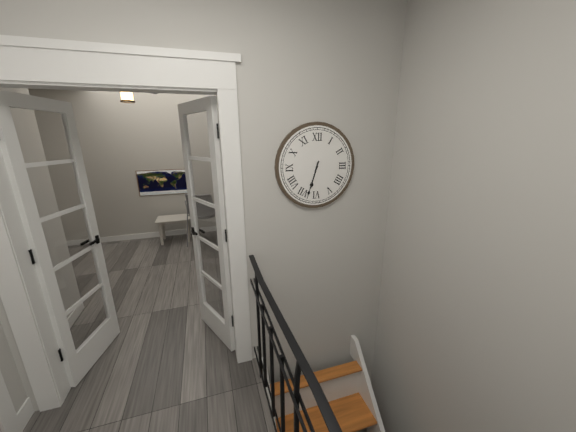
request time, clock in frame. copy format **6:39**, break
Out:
**6:33**
